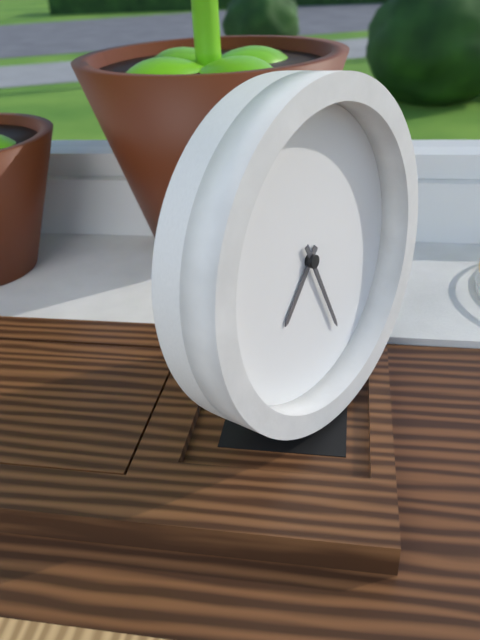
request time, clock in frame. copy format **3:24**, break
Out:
**7:26**
